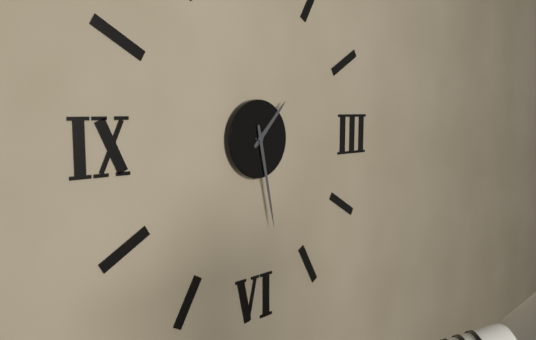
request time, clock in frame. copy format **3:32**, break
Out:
**1:28**
